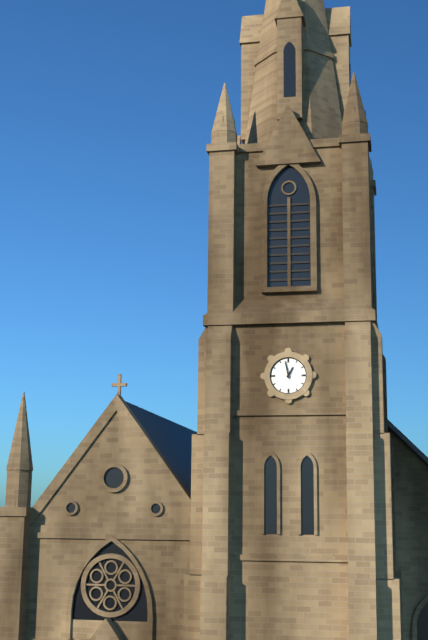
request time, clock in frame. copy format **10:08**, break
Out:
**12:58**
